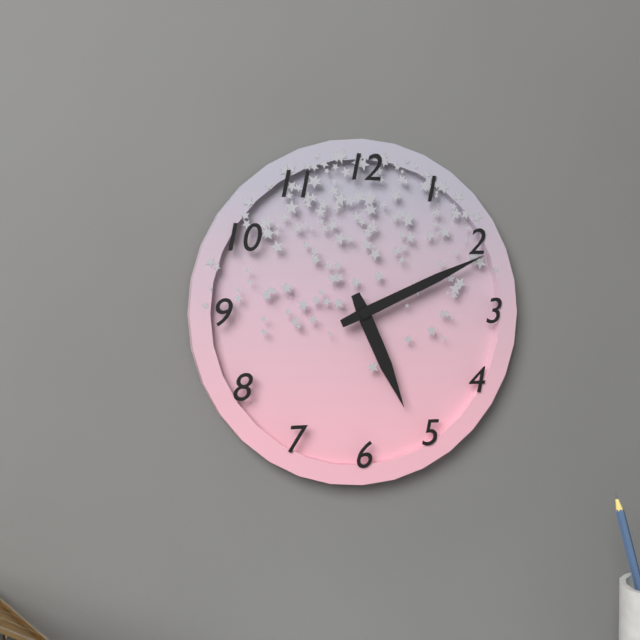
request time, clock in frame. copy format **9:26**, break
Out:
**5:11**
